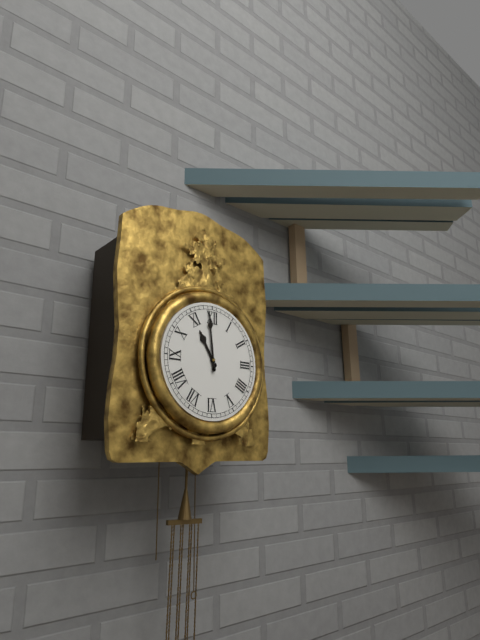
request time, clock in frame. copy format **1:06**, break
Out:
**10:59**
